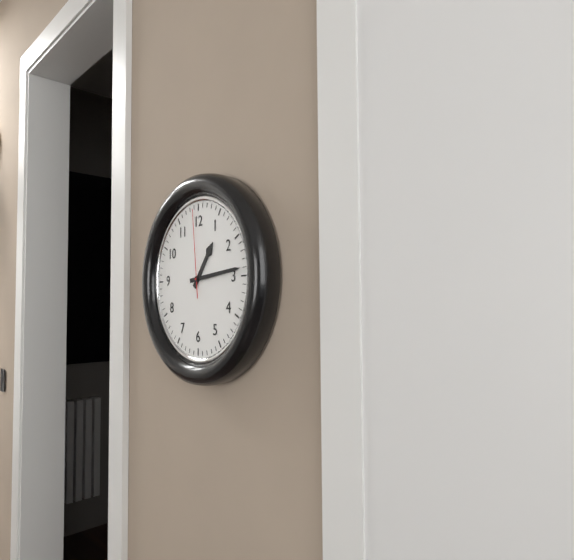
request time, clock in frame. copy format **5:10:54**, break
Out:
**1:14:59**
